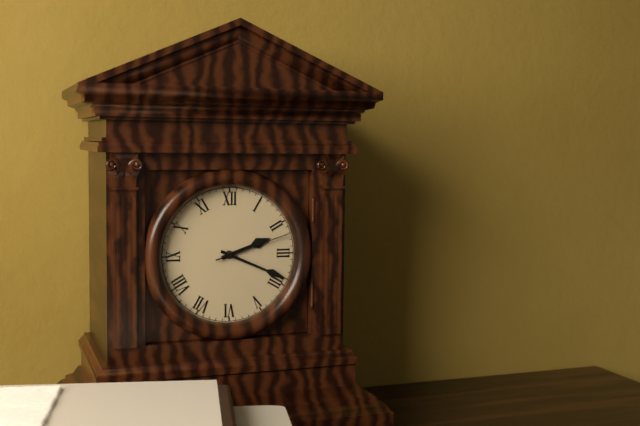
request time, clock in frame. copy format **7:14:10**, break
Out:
**2:19:12**
